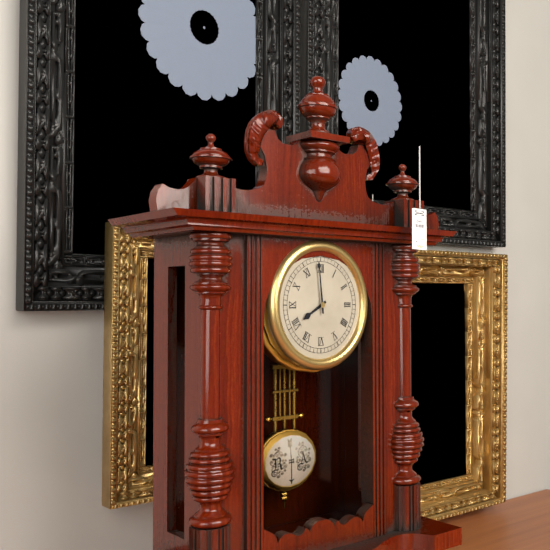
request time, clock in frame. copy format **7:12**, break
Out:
**7:59**
